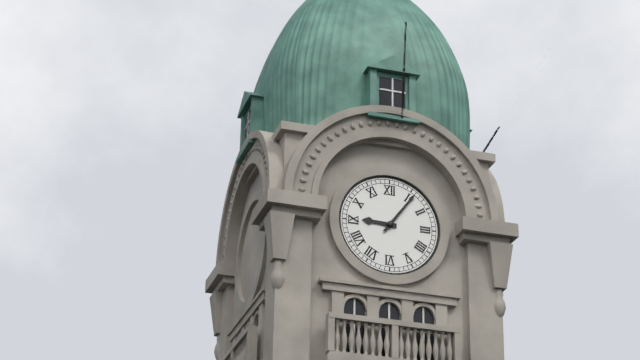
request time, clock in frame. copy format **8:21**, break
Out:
**9:06**
